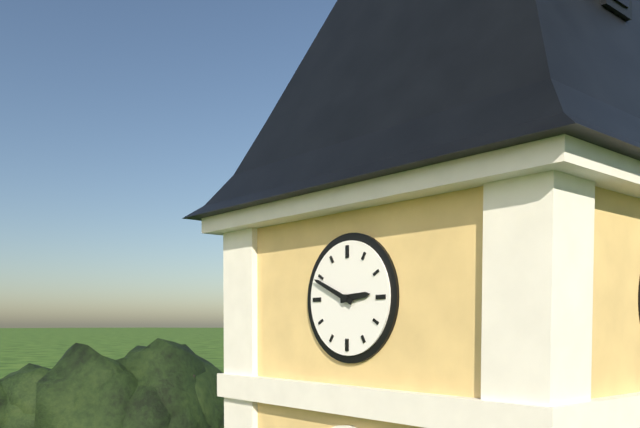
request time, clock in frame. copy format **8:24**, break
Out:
**2:49**
